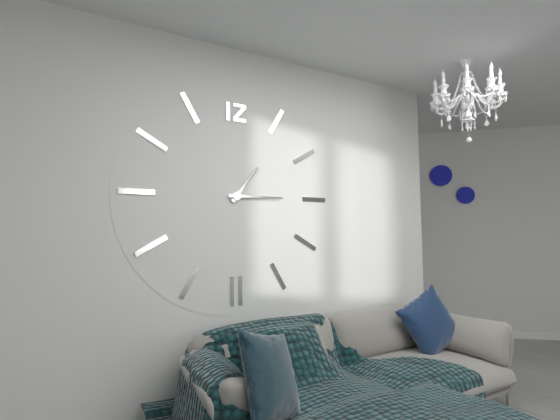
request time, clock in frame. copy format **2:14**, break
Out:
**1:15**
